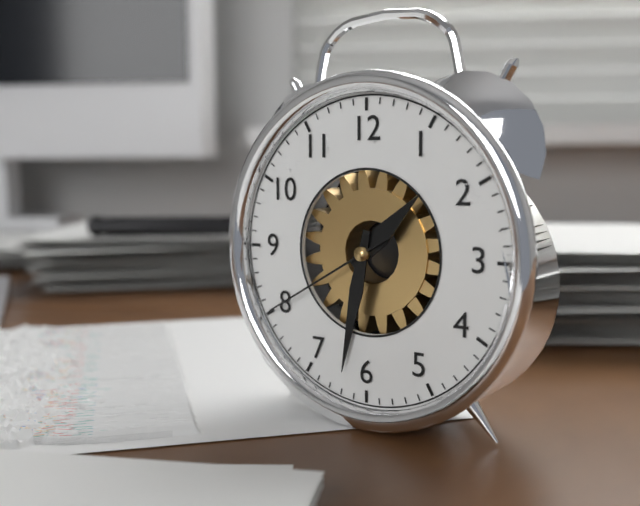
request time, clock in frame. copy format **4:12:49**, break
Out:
**1:32:40**
